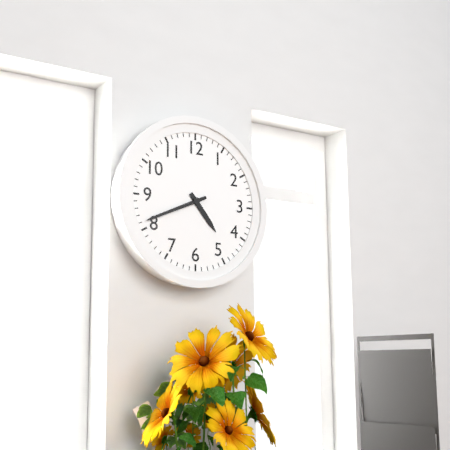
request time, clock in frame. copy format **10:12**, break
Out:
**4:41**
